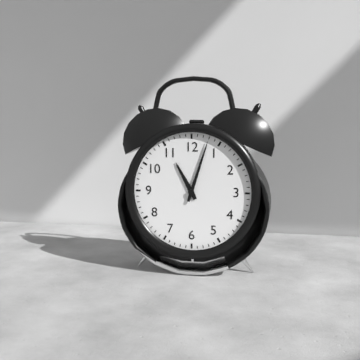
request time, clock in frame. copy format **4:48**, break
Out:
**11:03**
